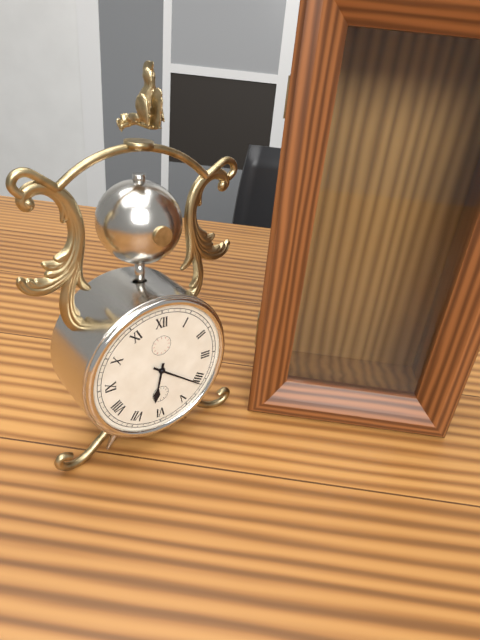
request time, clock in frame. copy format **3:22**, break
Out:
**6:21**
